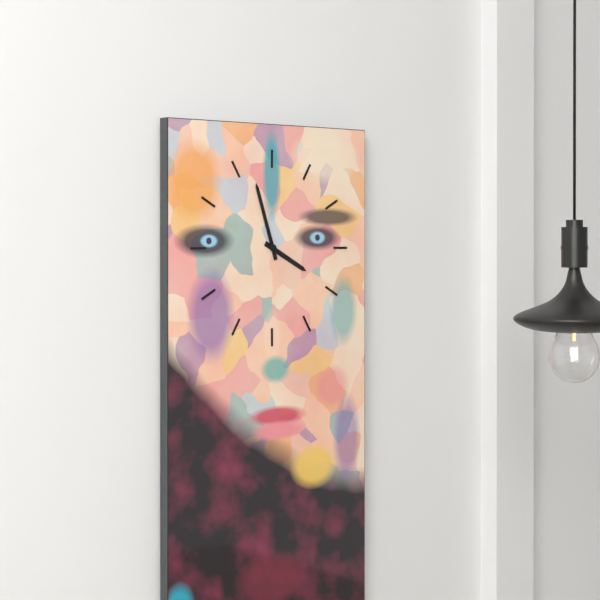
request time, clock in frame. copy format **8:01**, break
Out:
**3:57**
